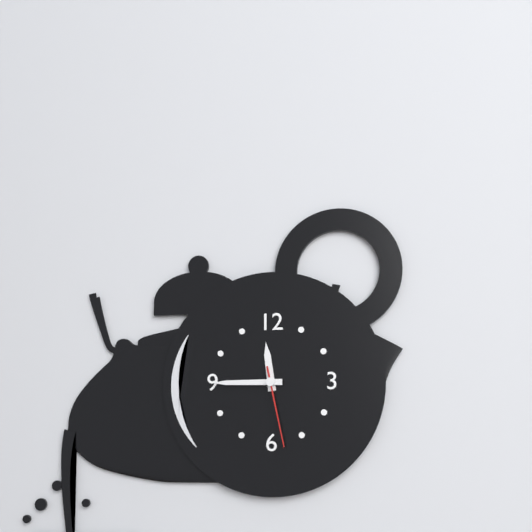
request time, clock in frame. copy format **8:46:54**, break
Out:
**11:45:28**
